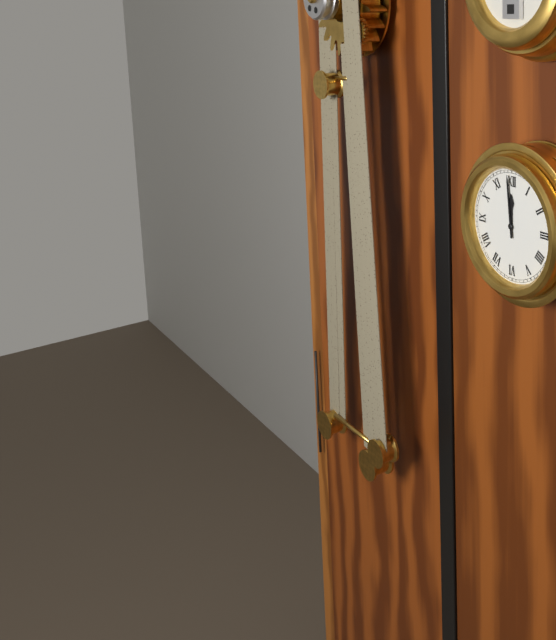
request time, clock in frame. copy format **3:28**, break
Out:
**11:59**
